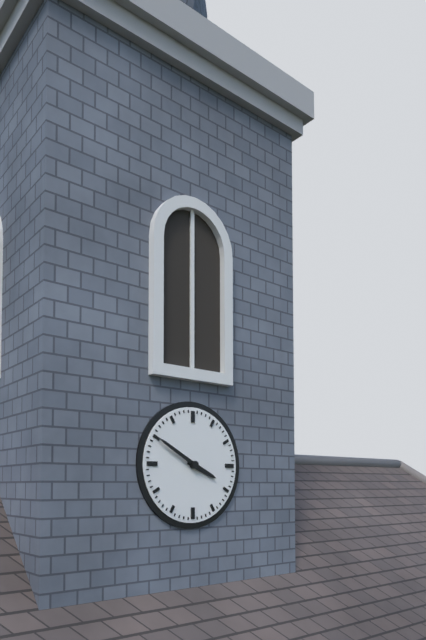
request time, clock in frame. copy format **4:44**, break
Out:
**3:50**
